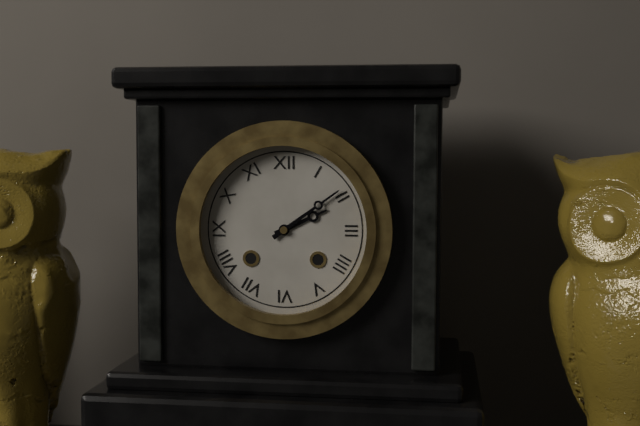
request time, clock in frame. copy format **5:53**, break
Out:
**2:09**
